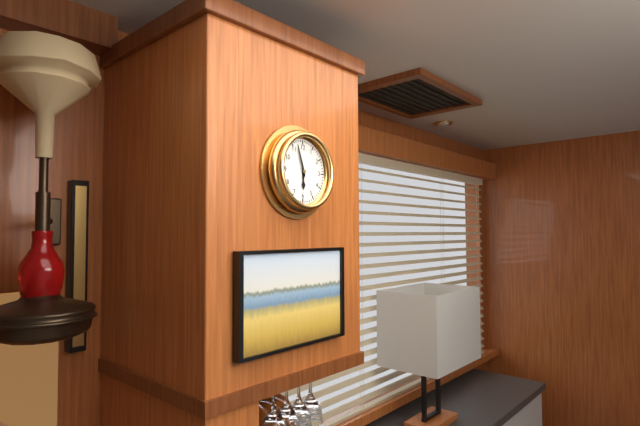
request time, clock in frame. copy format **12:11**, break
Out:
**5:57**
